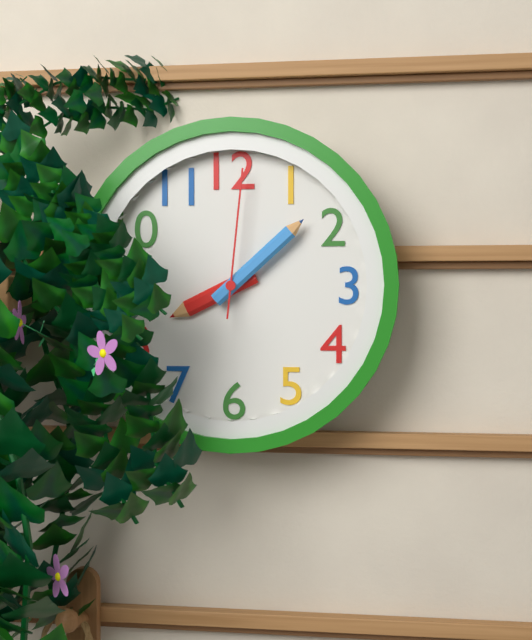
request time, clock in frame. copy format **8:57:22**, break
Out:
**8:08:01**
